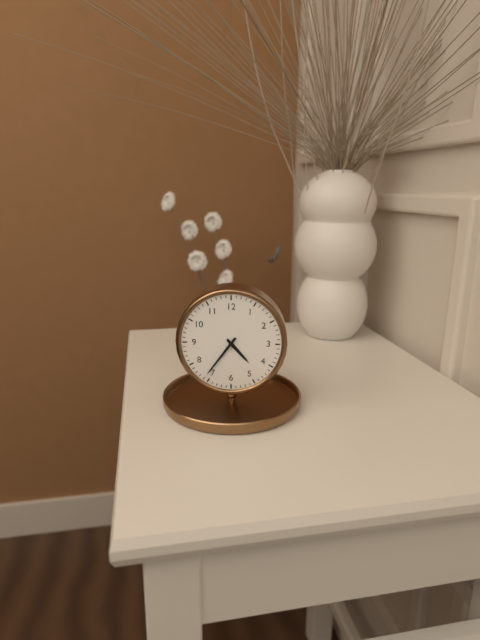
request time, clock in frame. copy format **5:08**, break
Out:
**4:36**
